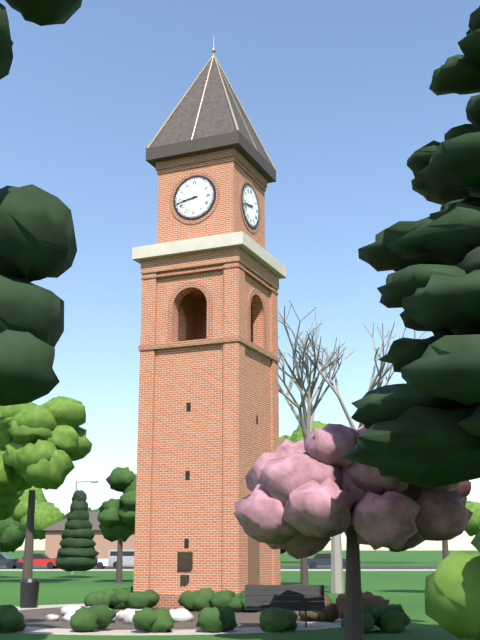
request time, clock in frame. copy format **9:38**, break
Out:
**8:43**
